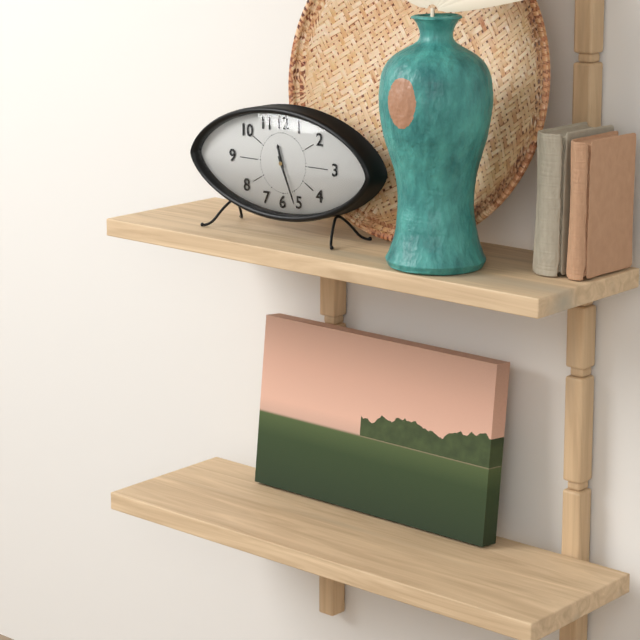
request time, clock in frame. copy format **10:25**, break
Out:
**11:26**
